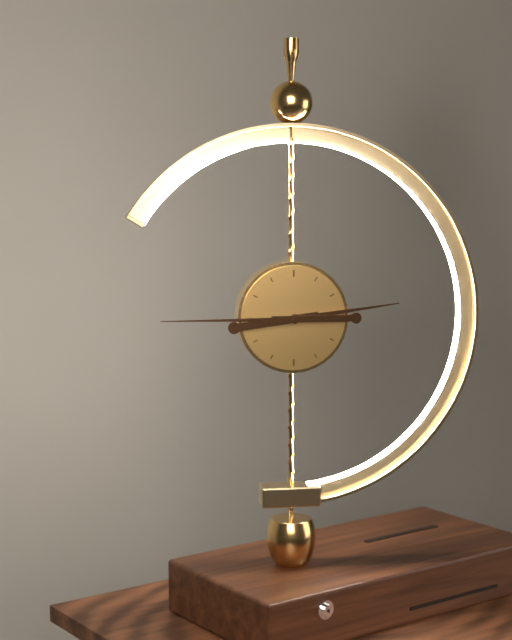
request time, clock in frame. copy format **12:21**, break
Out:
**2:45**
